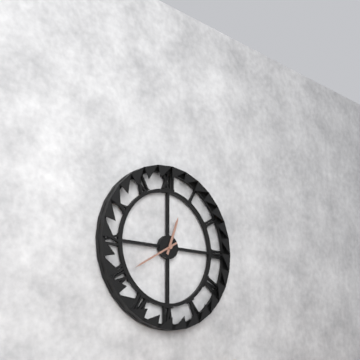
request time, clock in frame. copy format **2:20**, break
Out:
**12:40**
